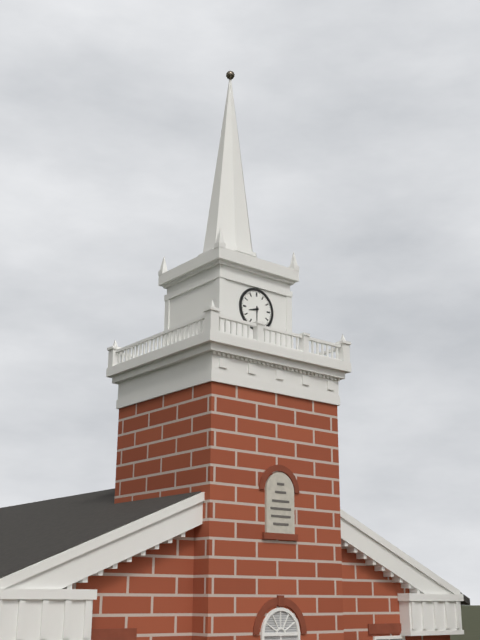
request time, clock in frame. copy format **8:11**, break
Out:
**8:30**
